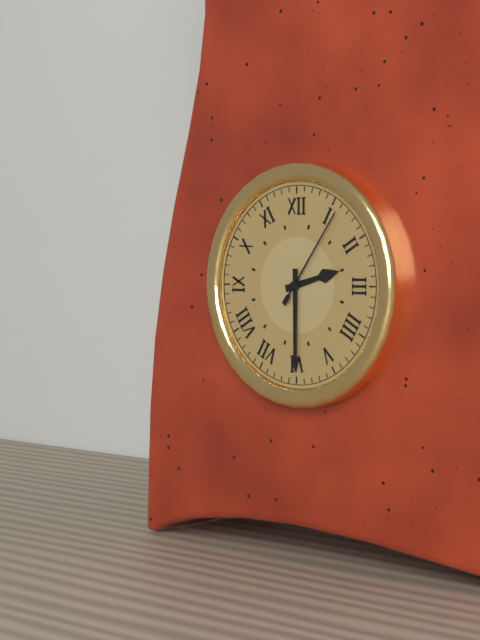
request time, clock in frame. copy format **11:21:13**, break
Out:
**2:30:06**
